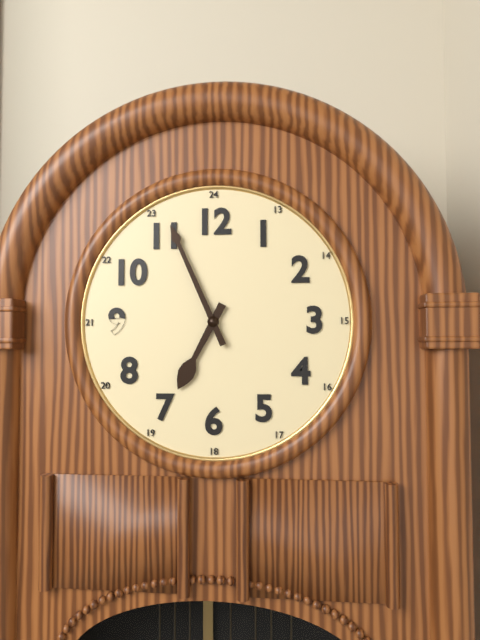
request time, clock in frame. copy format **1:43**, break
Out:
**6:56**
